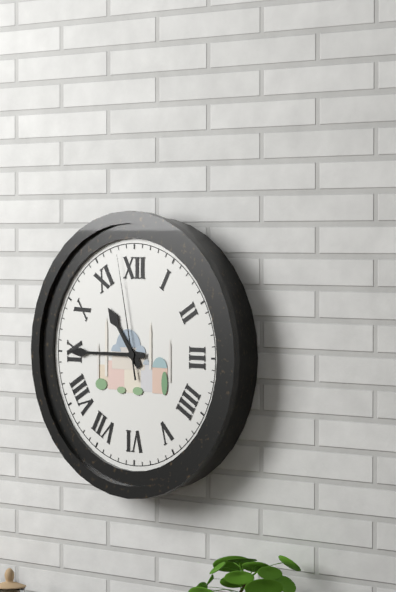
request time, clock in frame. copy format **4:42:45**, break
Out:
**10:45:58**
